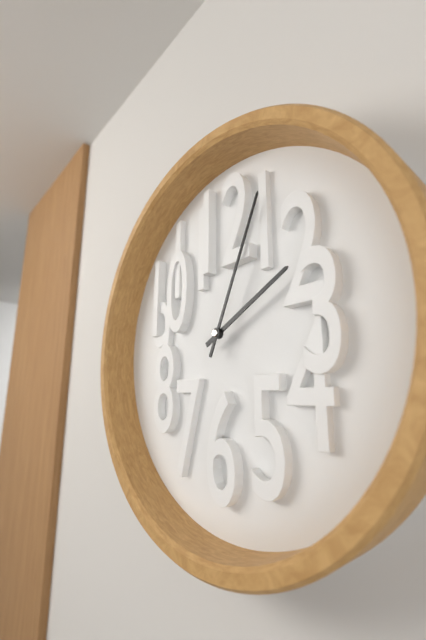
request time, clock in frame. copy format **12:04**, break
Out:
**2:04**
